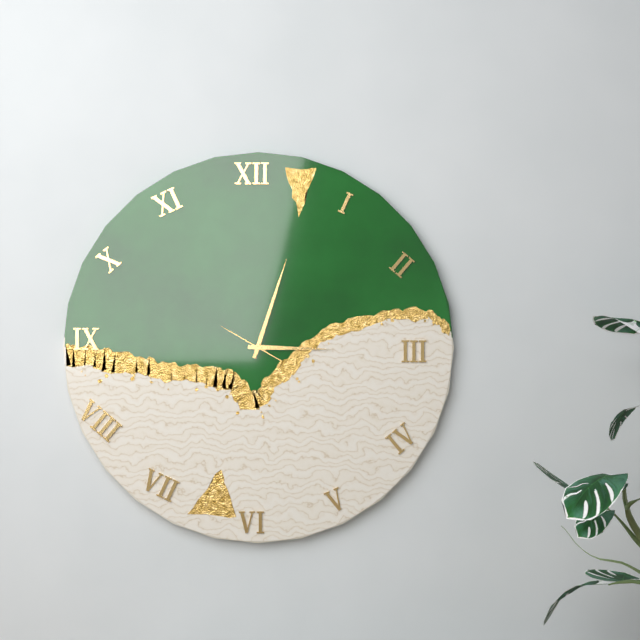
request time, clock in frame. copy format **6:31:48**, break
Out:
**3:03:50**
